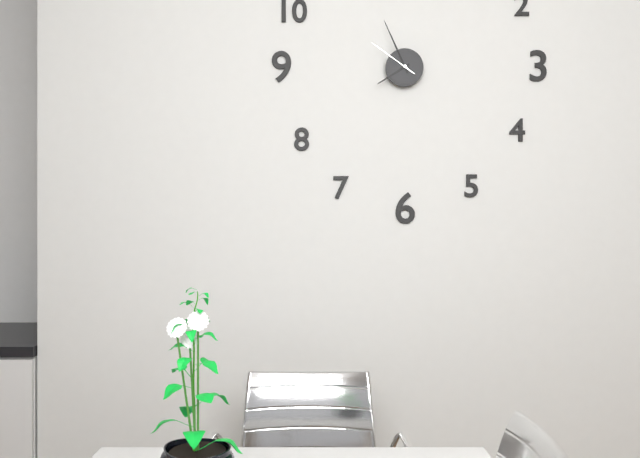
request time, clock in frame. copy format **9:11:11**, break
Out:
**7:56:51**
